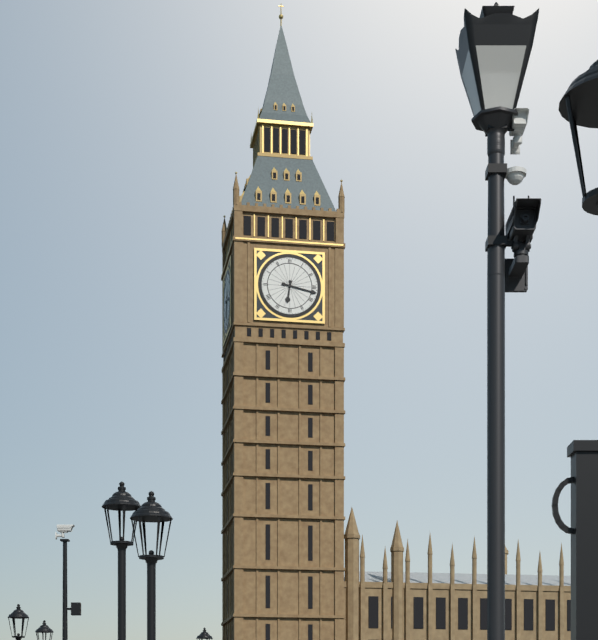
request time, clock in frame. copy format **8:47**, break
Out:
**6:17**
